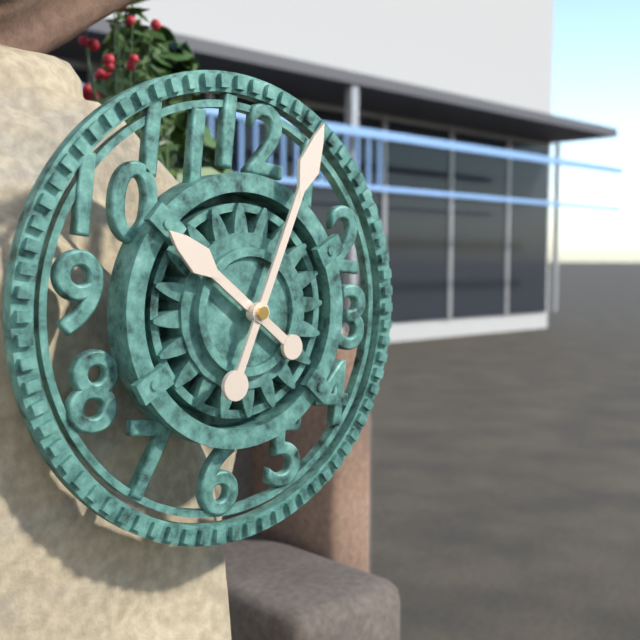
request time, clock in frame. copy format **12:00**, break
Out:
**10:03**
